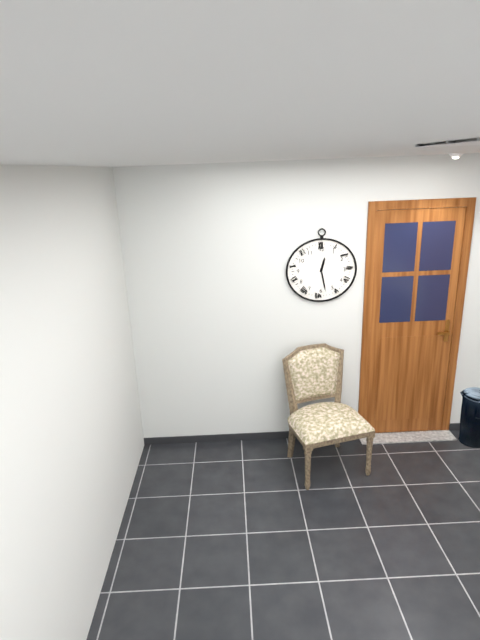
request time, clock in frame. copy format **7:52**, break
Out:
**12:28**
